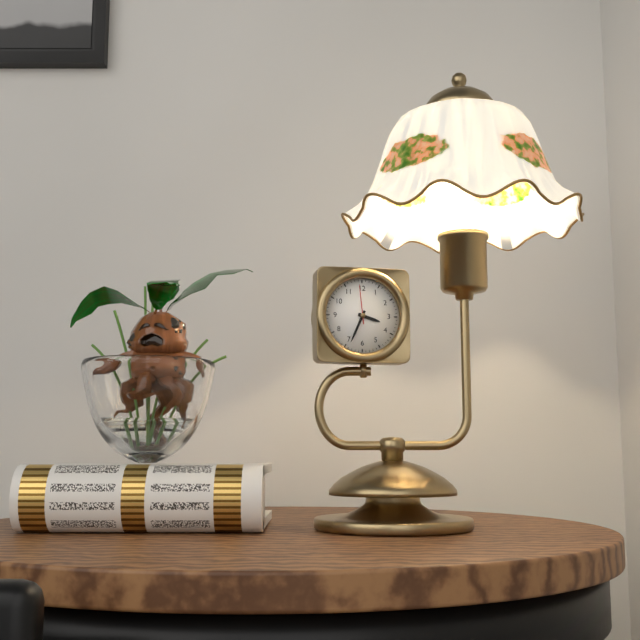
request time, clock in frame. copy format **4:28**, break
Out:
**3:34**
